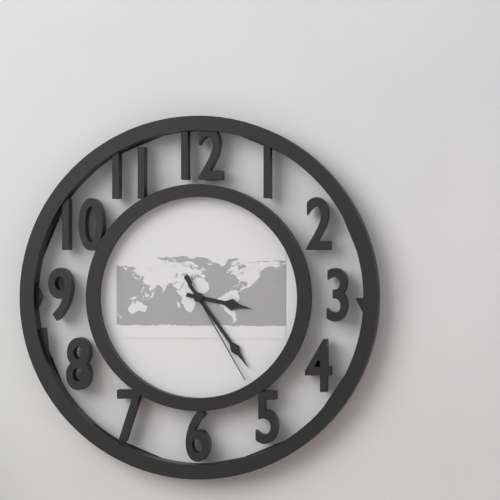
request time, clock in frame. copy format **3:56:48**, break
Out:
**3:24:25**
